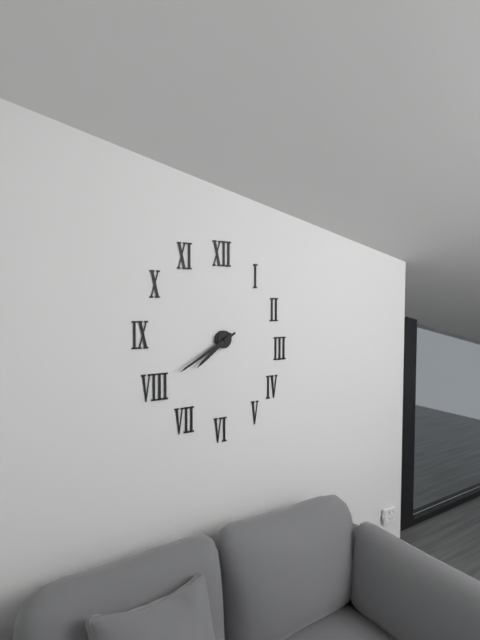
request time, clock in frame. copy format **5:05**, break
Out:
**7:40**
